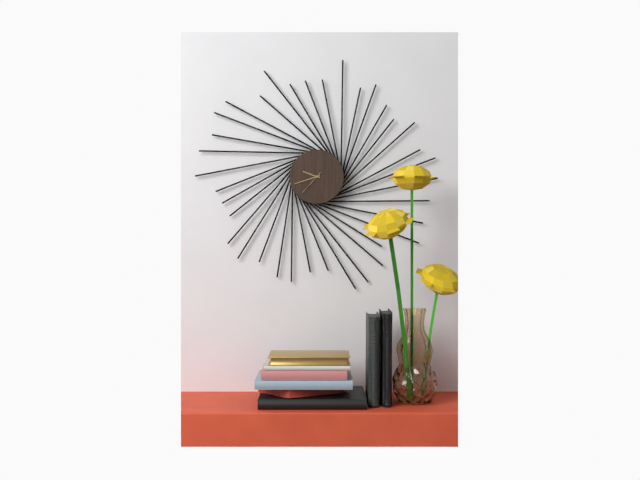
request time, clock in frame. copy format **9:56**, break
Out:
**9:42**
